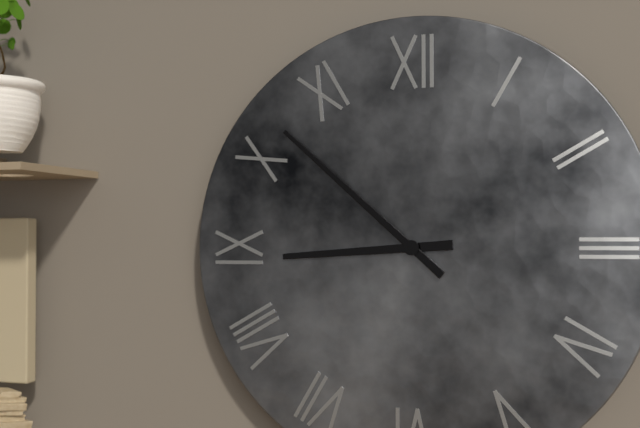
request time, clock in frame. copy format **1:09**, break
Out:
**8:52**
